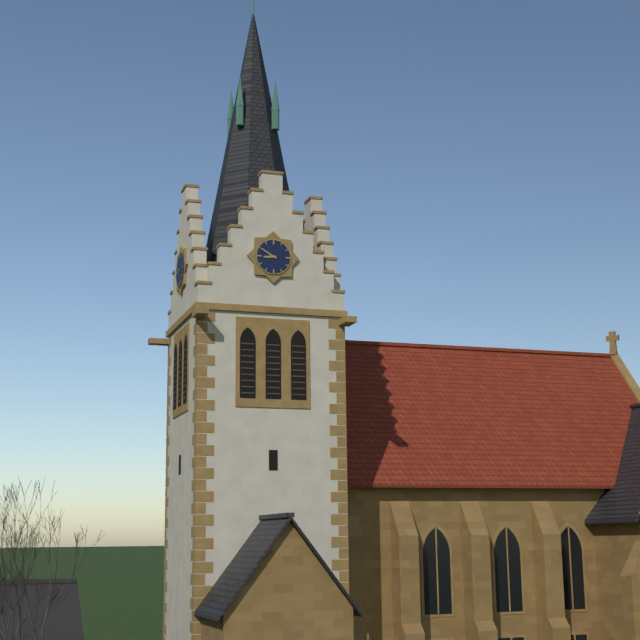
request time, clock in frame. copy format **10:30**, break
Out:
**8:50**
